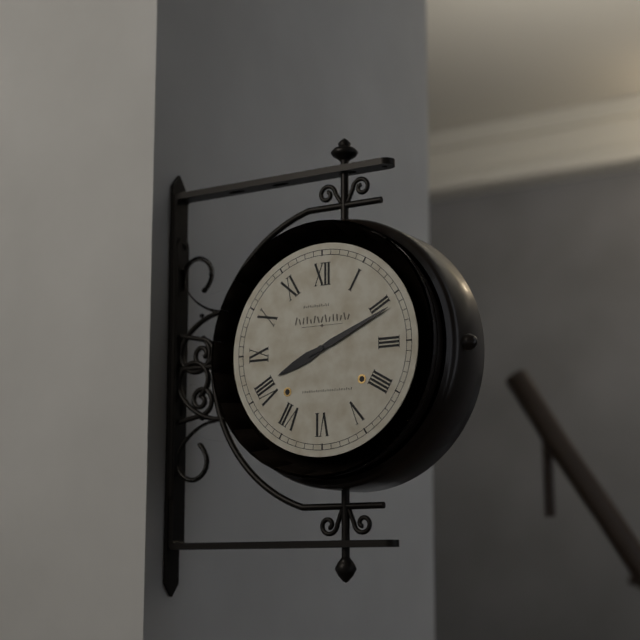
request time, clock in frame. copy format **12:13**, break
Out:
**8:11**
